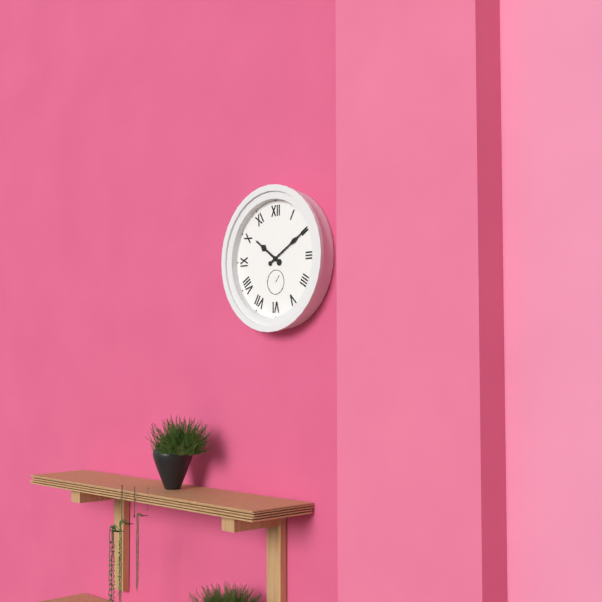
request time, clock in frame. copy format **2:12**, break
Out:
**10:10**
